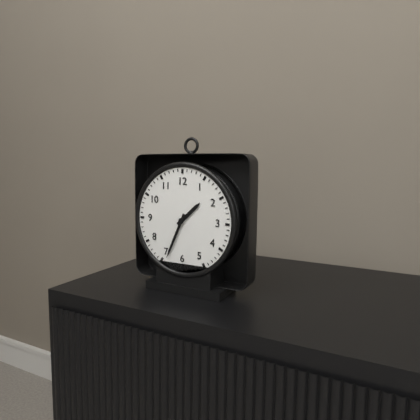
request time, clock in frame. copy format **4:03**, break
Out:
**1:34**
